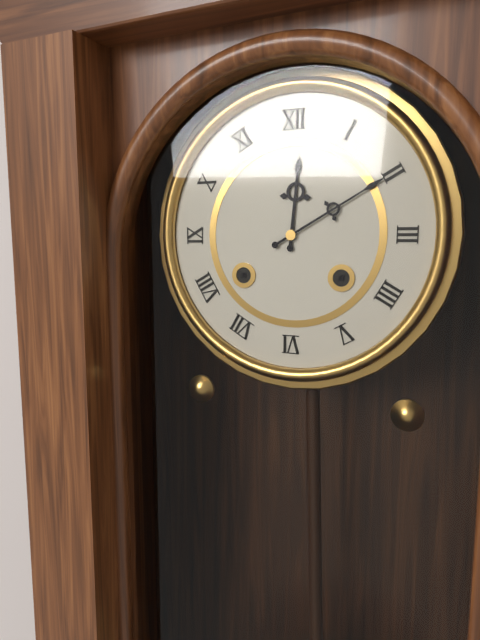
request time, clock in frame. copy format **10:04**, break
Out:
**12:10**
